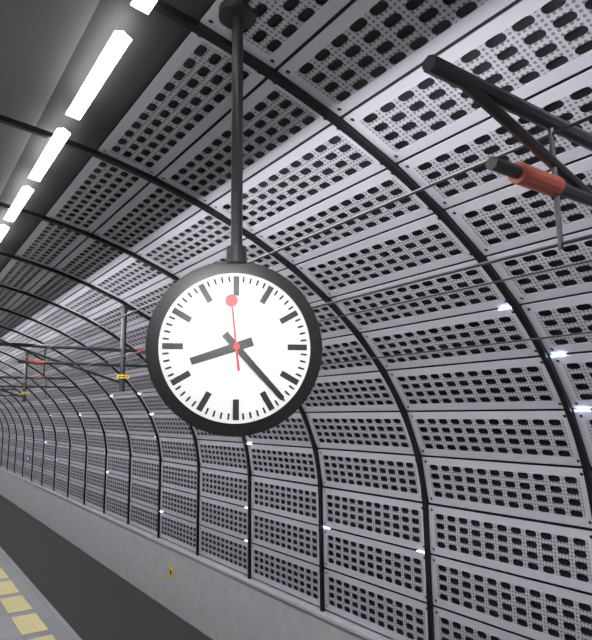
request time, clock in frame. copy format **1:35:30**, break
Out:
**8:23:59**
